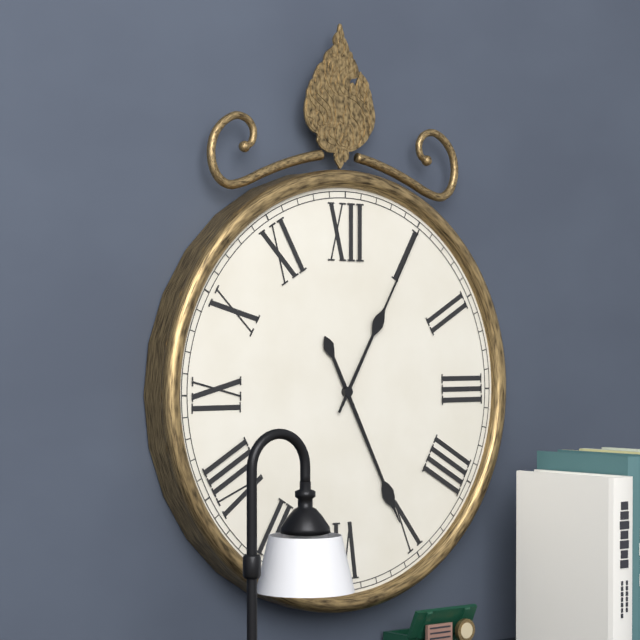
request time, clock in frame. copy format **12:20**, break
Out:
**5:05**
